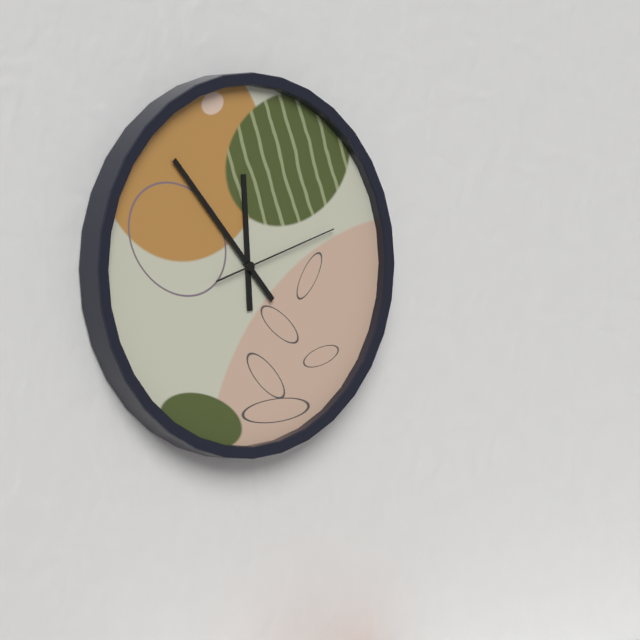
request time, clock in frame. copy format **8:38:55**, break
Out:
**11:53:12**
